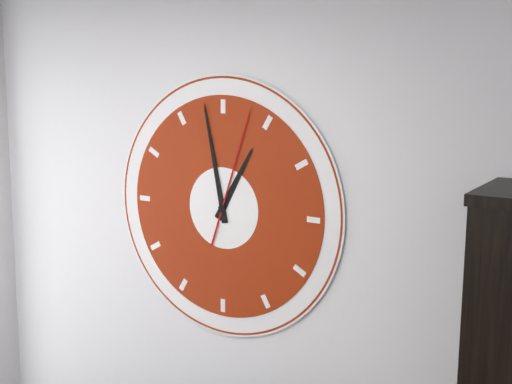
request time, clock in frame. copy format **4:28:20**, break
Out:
**12:58:03**
